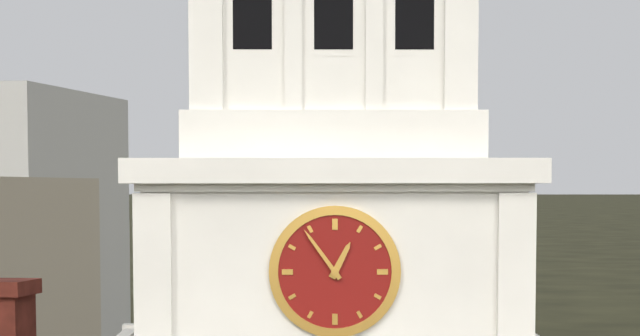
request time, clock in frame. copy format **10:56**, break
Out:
**12:54**
